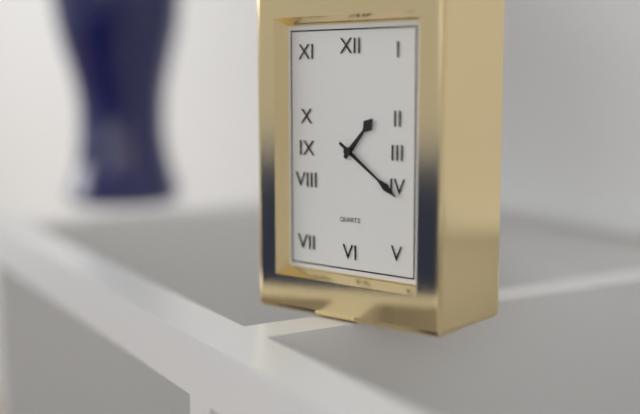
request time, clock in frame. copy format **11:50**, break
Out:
**1:21**
